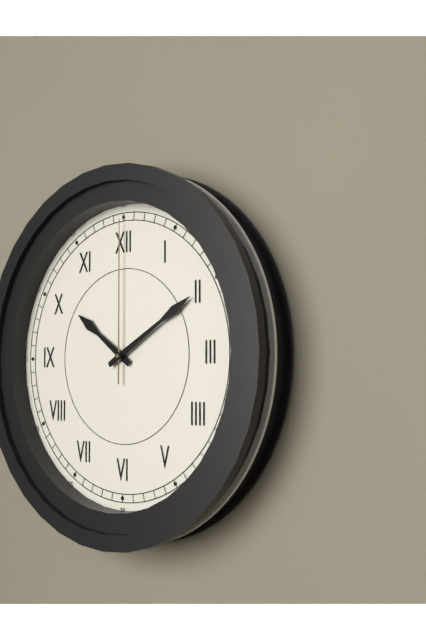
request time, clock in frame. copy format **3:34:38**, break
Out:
**10:10:00**
